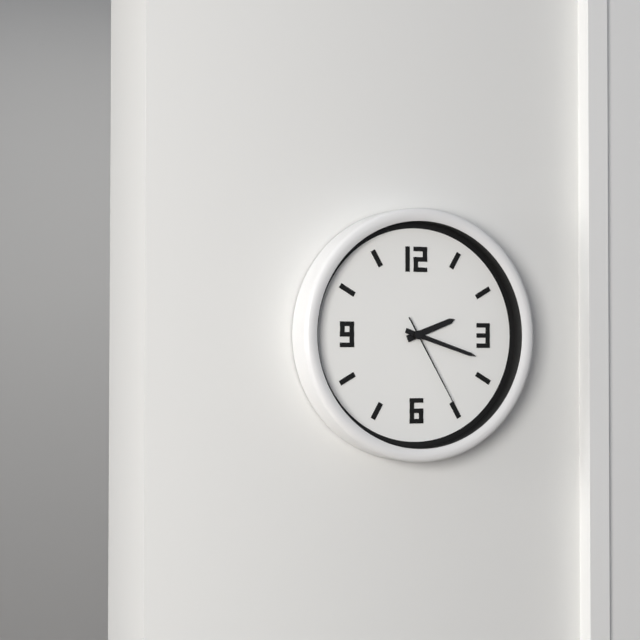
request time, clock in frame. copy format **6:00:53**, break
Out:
**2:18:25**
